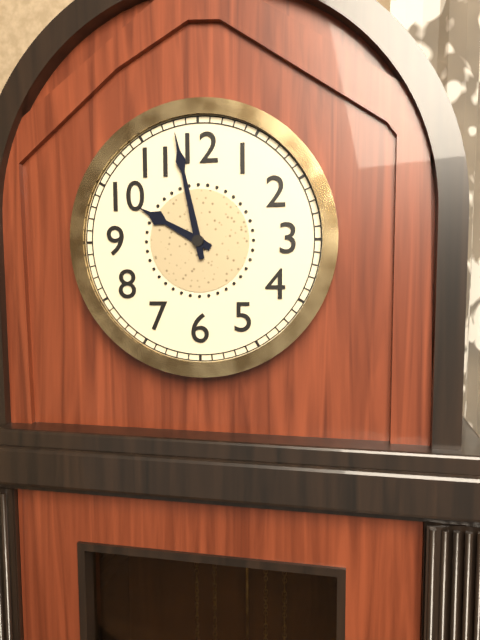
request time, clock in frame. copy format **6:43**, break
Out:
**9:58**
